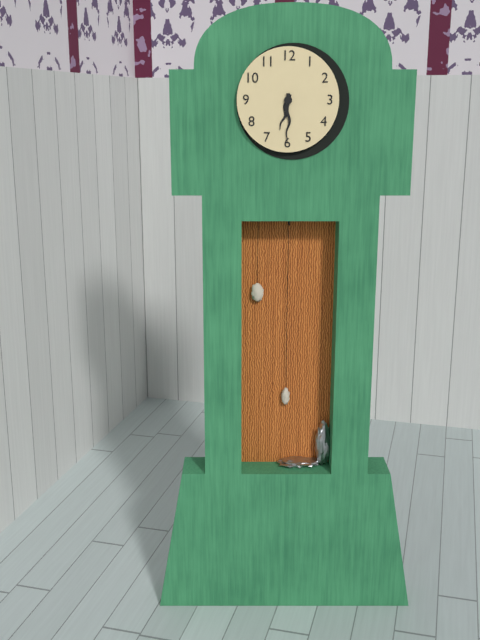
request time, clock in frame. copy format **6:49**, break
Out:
**6:30**
